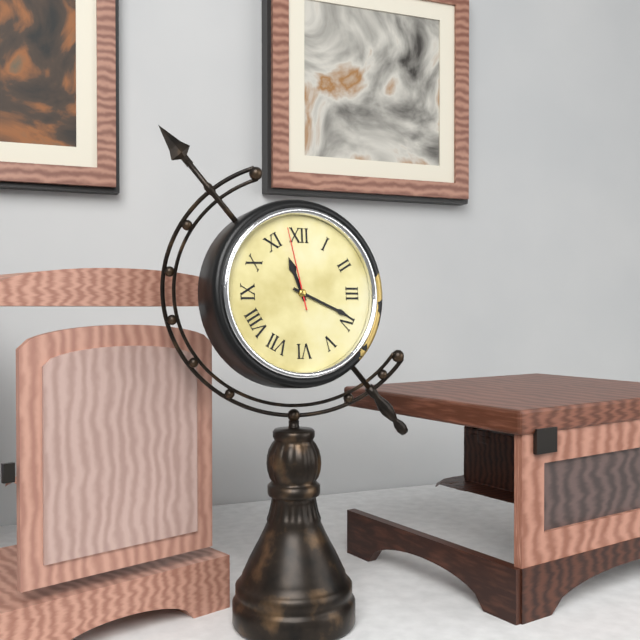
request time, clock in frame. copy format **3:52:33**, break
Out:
**11:19:58**
